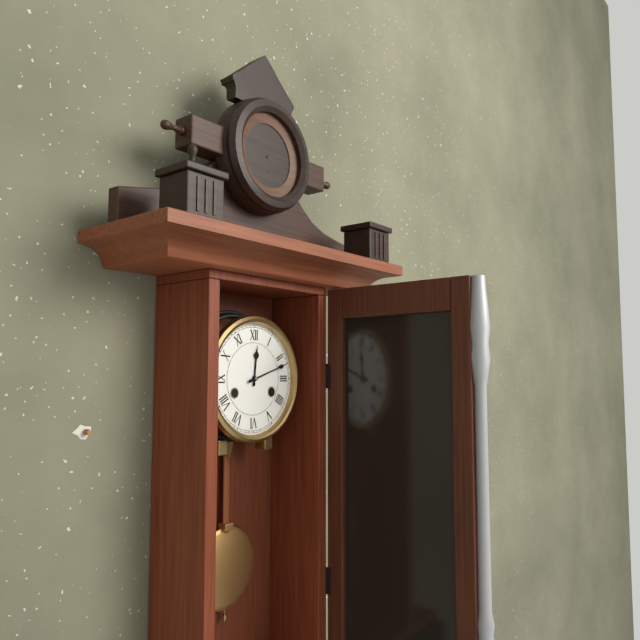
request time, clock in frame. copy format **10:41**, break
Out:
**12:12**
